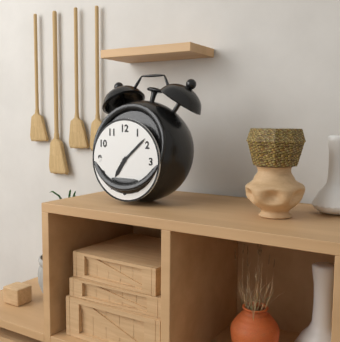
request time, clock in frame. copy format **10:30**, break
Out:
**7:08**
